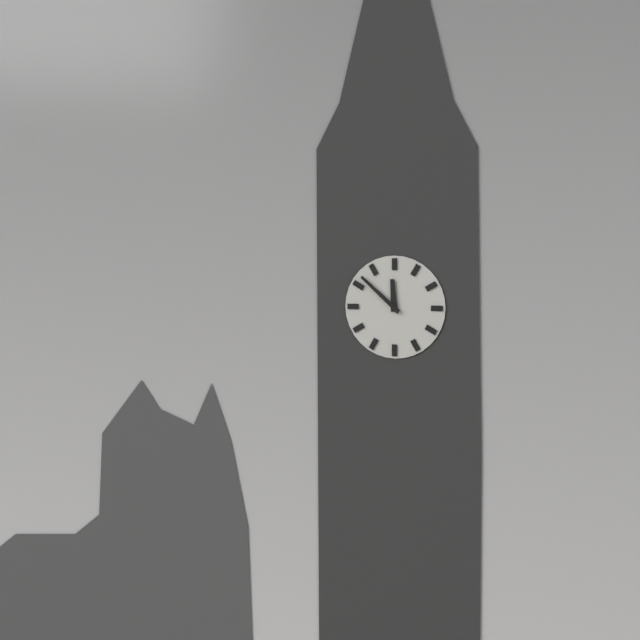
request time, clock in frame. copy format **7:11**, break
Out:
**11:52**
